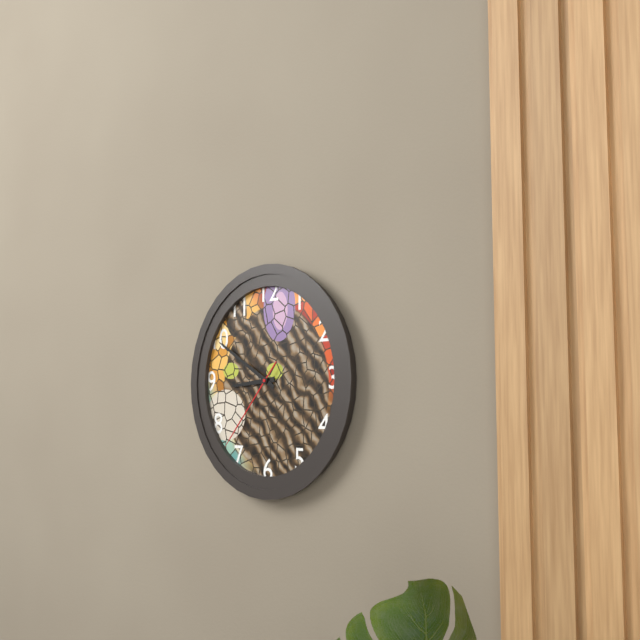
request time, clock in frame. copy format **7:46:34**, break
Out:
**8:50:37**
